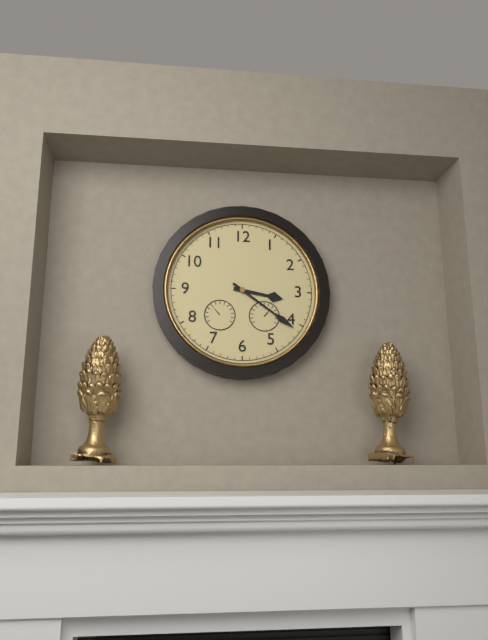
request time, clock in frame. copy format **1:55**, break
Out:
**3:21**
